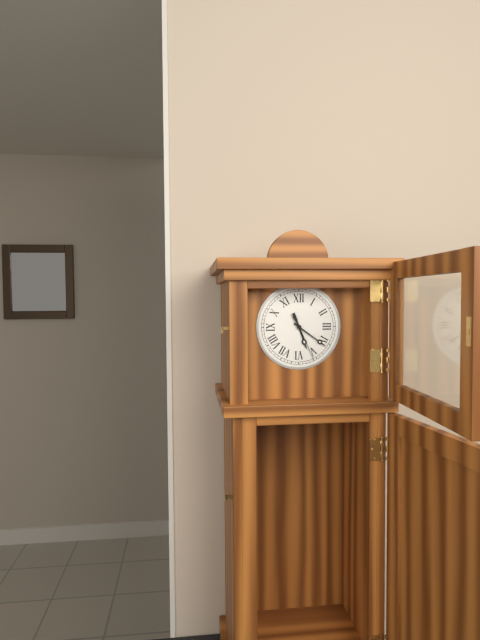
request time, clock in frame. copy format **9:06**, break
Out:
**5:21**
